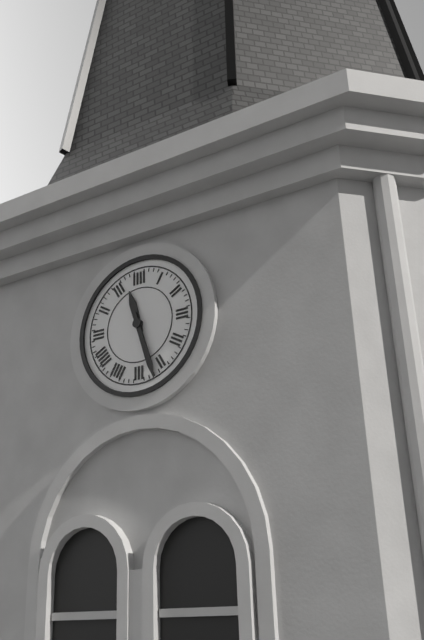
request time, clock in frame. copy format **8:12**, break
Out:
**11:27**
